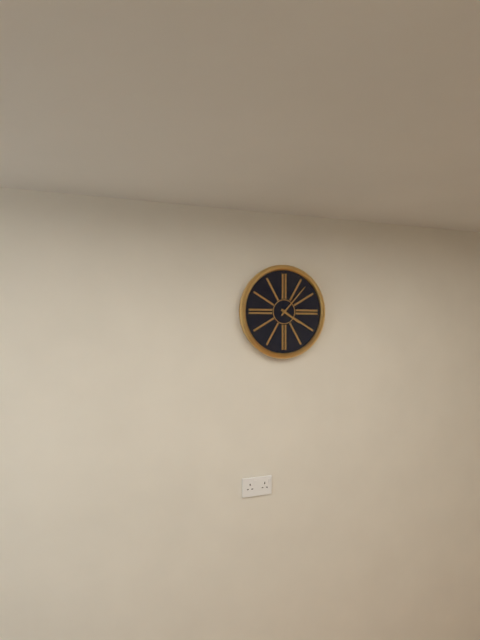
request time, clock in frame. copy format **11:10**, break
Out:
**4:07**
